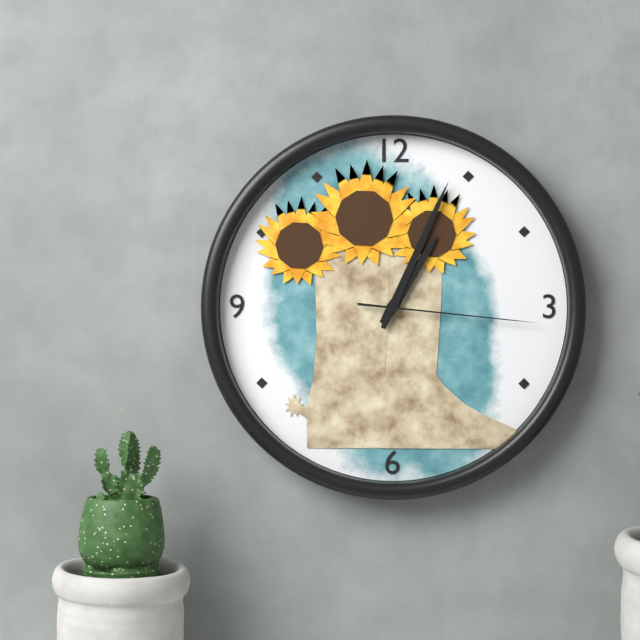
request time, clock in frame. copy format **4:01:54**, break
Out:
**1:04:16**
